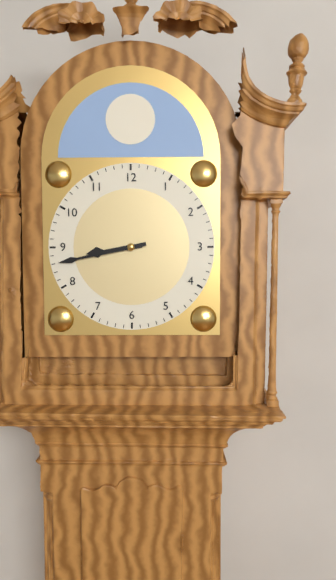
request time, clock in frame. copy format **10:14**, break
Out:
**8:43**
